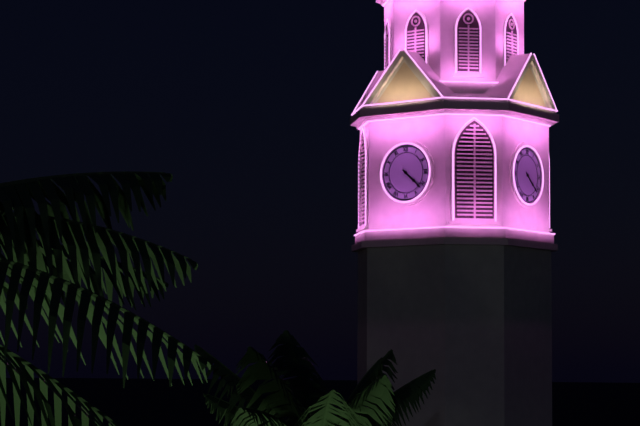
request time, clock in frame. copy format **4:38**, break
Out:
**4:22**
